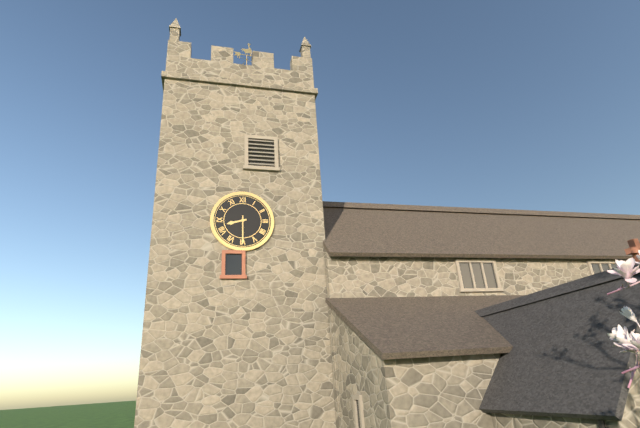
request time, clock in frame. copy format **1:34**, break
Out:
**8:30**
